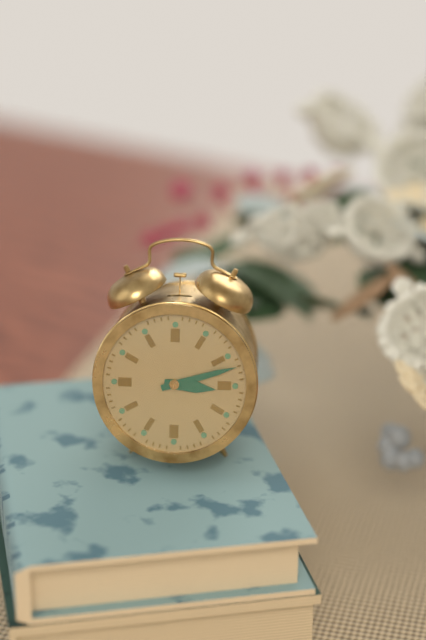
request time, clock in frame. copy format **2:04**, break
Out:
**3:12**
